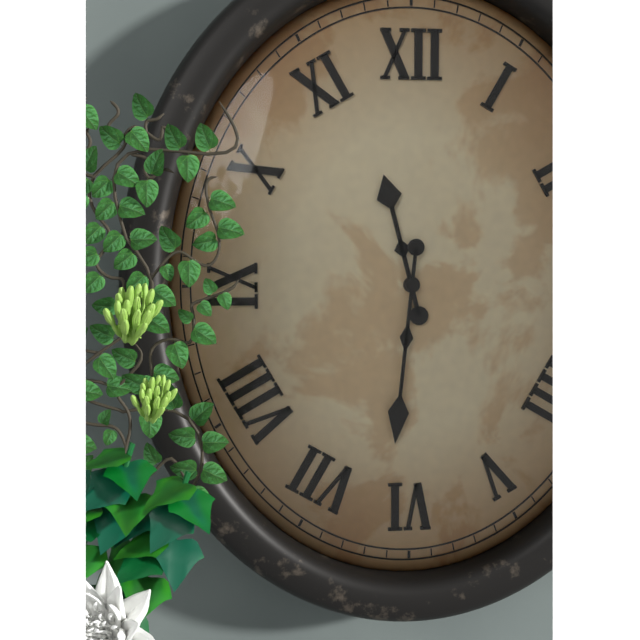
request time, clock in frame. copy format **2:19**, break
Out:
**11:31**
